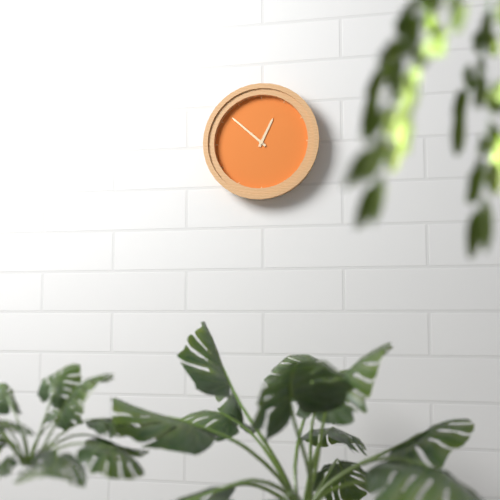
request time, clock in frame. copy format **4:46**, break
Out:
**12:52**
